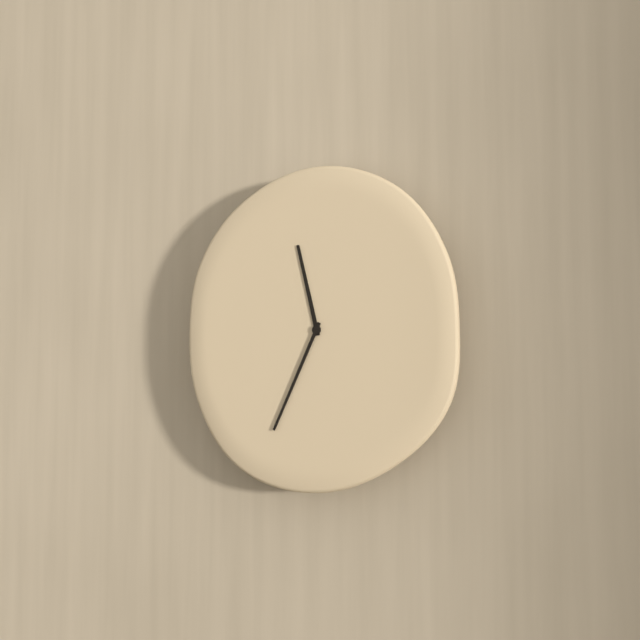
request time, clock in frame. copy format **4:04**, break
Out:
**11:34**
